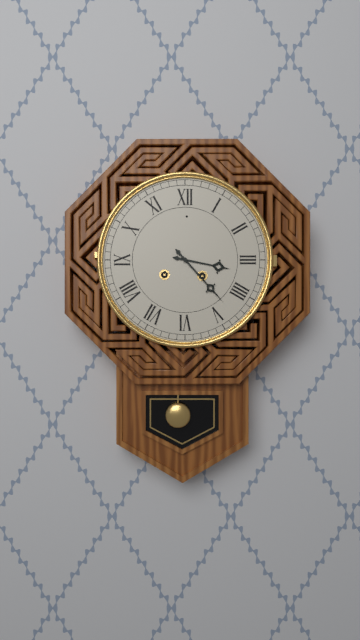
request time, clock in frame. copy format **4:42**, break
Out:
**3:23**
